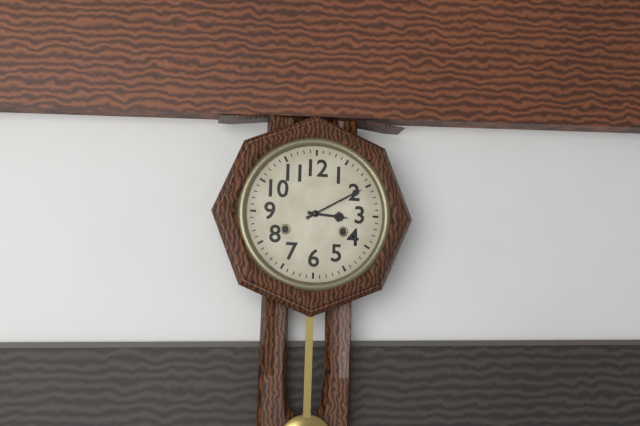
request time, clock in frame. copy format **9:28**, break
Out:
**3:10**
